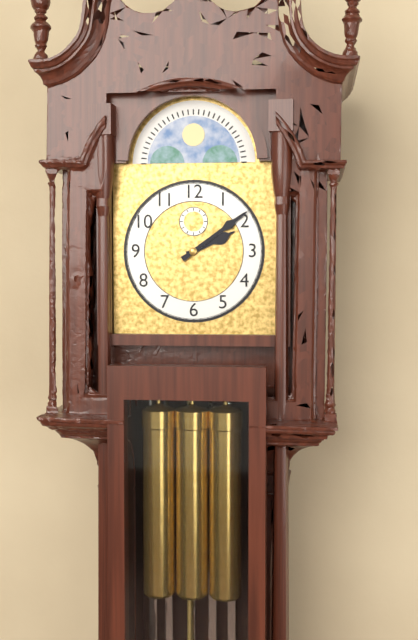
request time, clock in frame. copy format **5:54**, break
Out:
**2:09**
